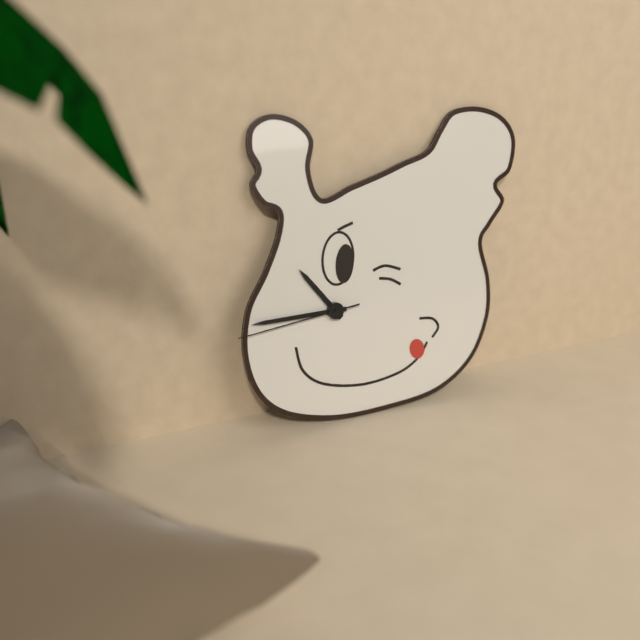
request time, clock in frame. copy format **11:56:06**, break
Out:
**10:45:44**
